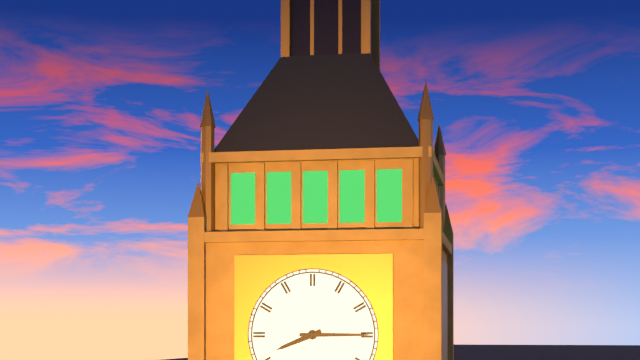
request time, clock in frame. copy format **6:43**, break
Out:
**8:15**
